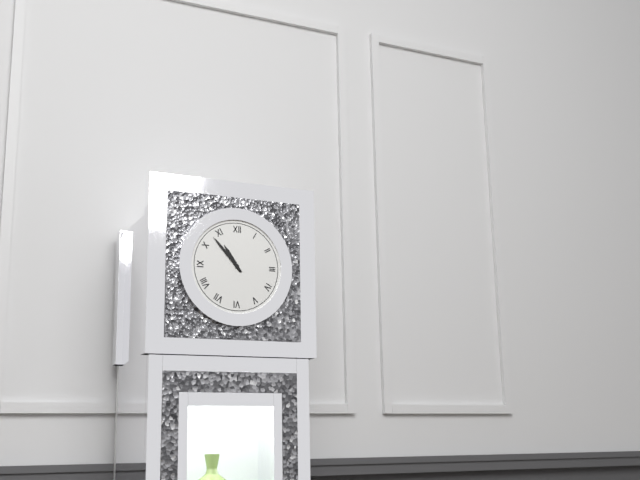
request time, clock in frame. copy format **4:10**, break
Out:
**10:53**
